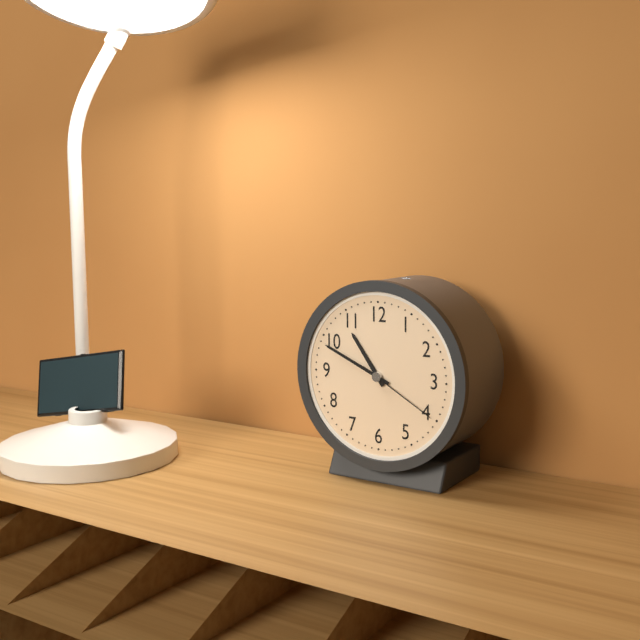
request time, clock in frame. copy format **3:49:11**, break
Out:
**10:49:20**
